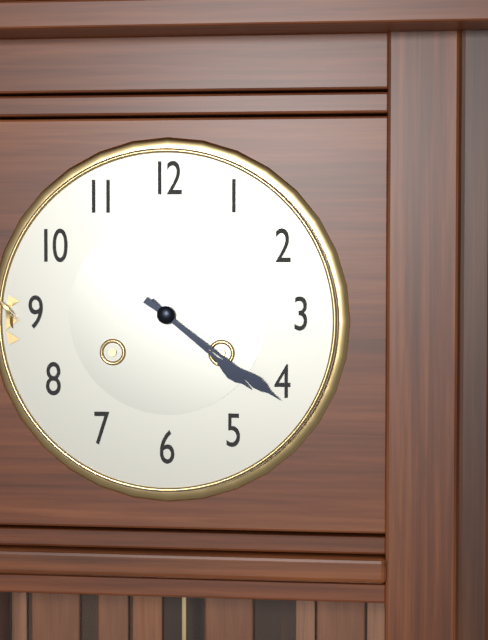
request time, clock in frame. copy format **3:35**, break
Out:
**4:21**
